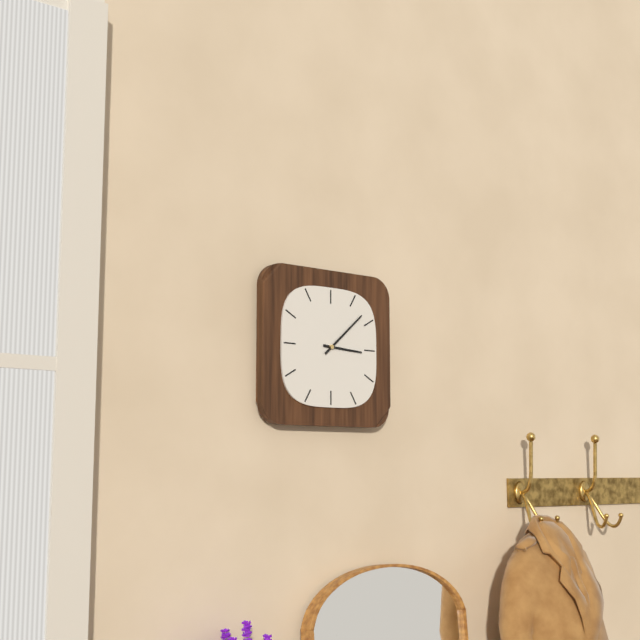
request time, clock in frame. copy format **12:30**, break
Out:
**3:08**
